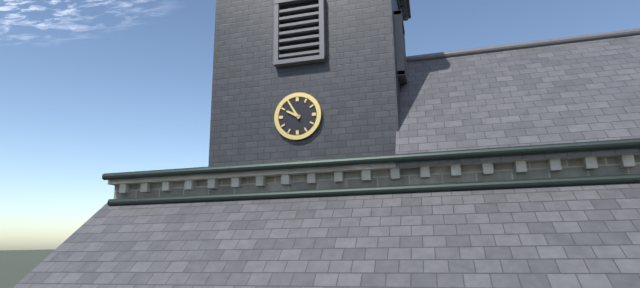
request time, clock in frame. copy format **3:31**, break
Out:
**9:55**
